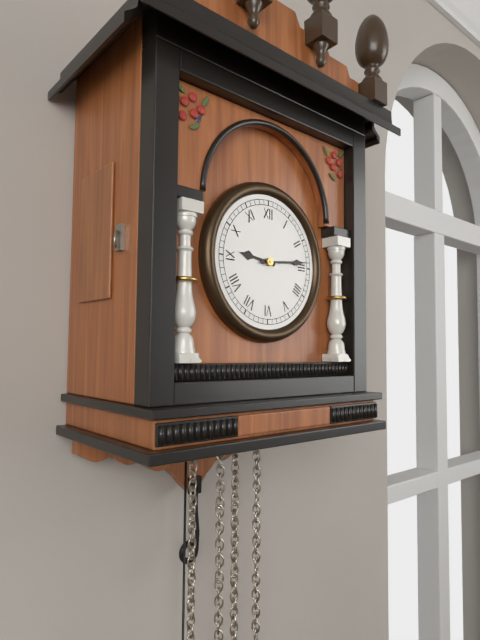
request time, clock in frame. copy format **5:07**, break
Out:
**9:14**
